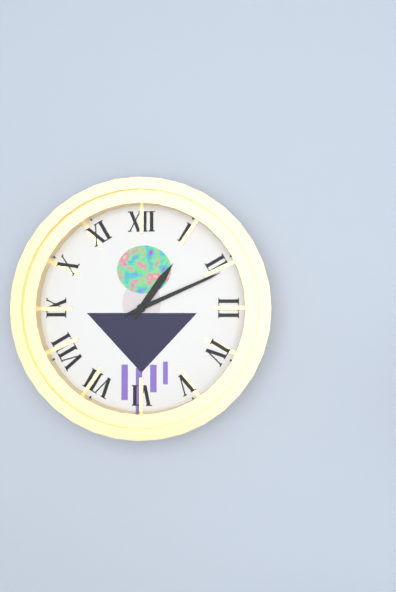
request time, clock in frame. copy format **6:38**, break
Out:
**1:11**
